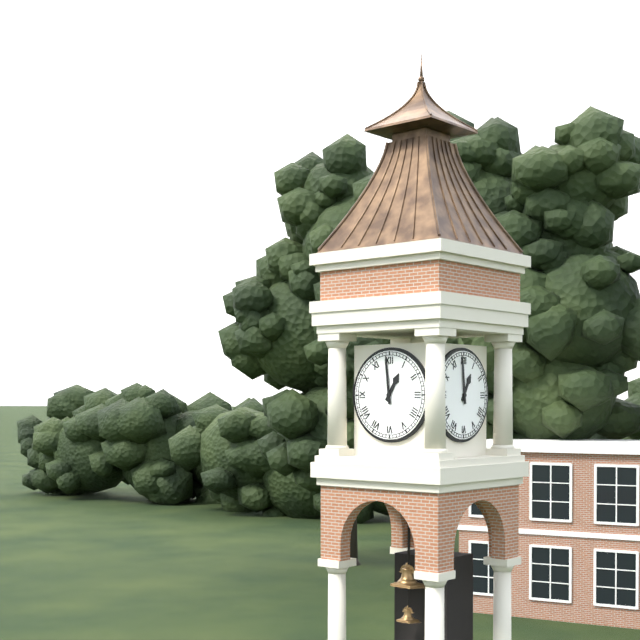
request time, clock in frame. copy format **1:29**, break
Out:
**12:59**
